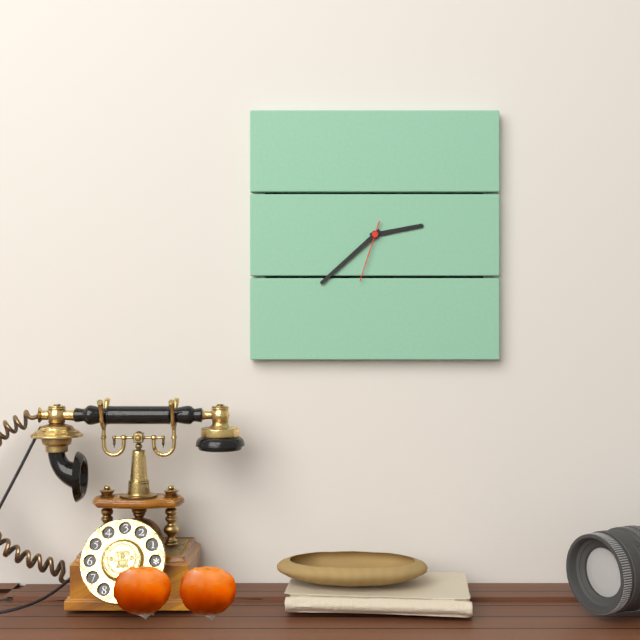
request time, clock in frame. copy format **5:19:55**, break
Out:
**2:38:33**
